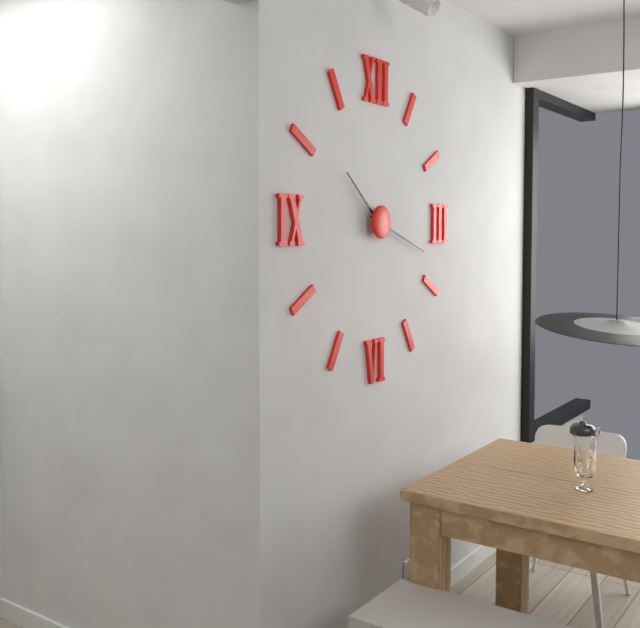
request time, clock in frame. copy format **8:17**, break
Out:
**10:18**
